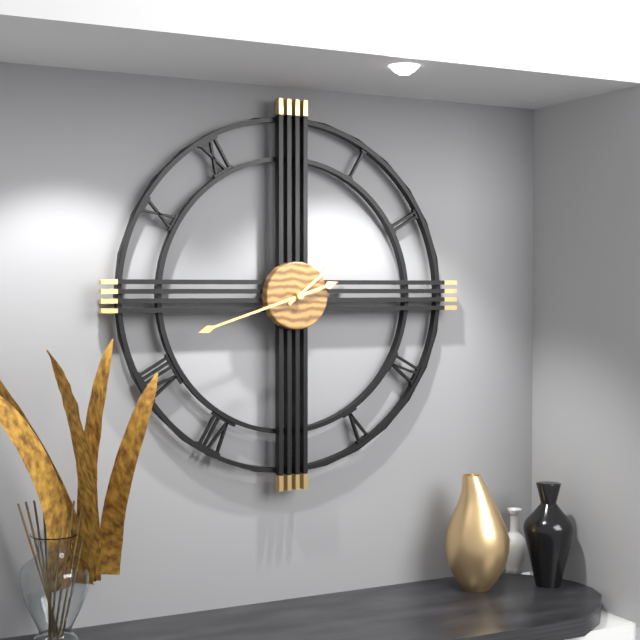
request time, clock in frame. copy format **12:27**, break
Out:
**1:42**
